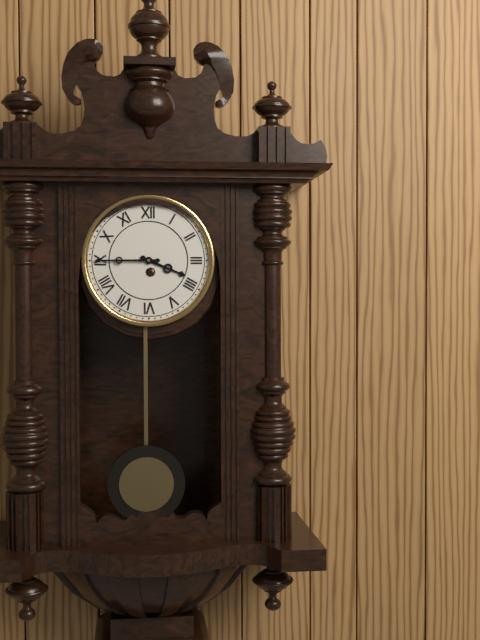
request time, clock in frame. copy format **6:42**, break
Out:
**3:45**
